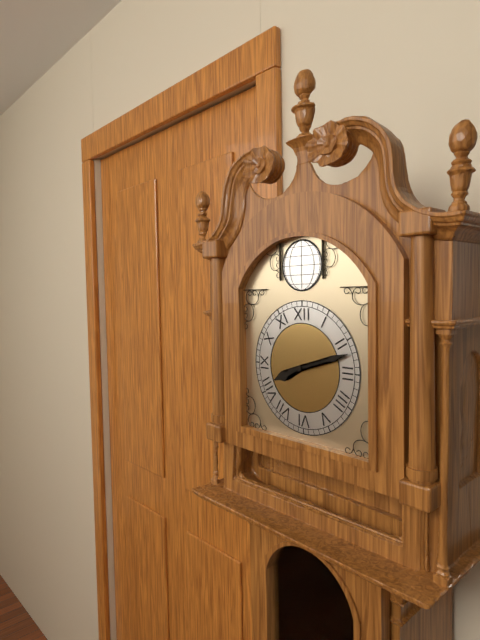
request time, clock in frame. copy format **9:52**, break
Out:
**8:12**
